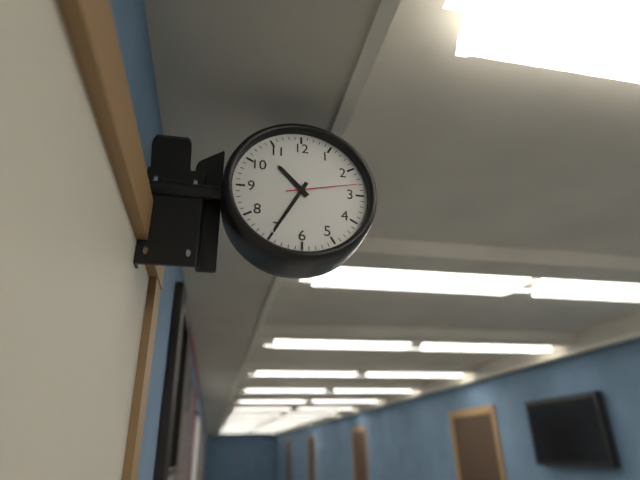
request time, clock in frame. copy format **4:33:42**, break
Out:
**10:35:13**
